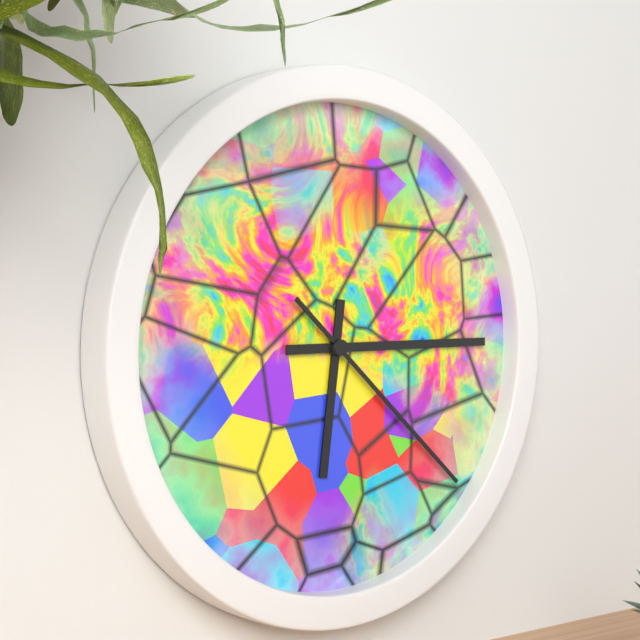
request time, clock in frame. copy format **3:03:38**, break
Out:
**6:15:22**
